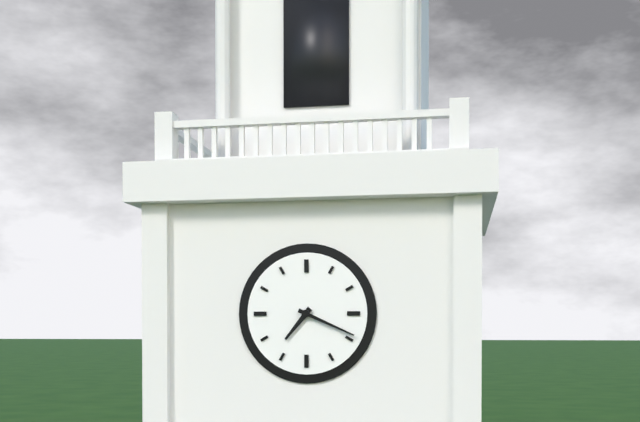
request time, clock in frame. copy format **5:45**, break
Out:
**7:19**
